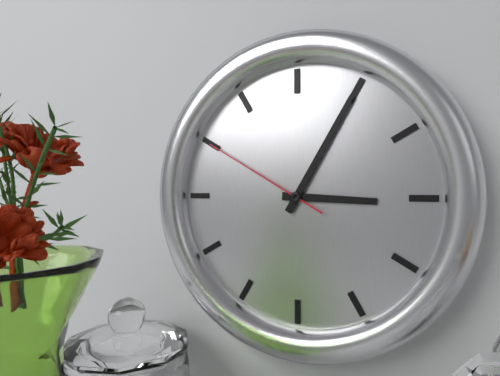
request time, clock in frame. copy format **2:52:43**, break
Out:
**3:05:50**
